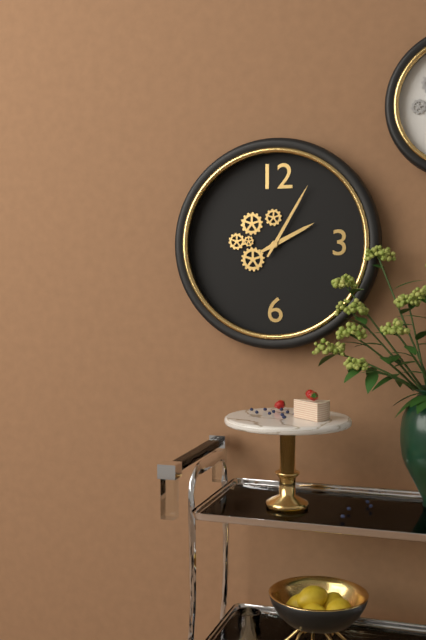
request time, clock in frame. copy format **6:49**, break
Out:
**2:05**
